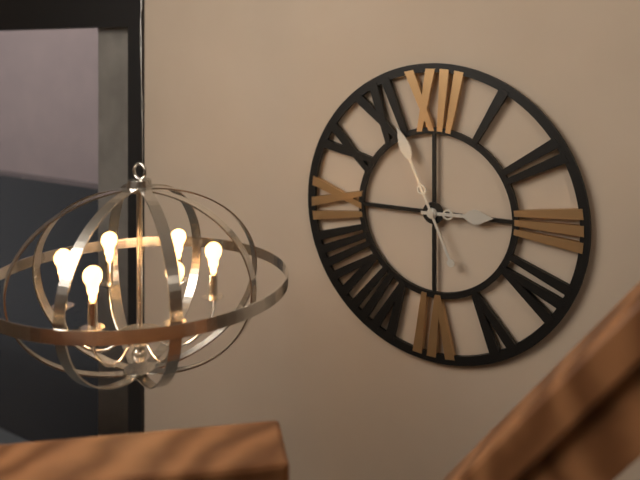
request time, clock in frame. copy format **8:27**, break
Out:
**2:56**
